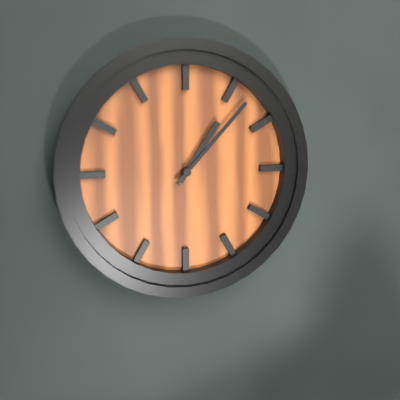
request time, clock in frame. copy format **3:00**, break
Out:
**1:07**
